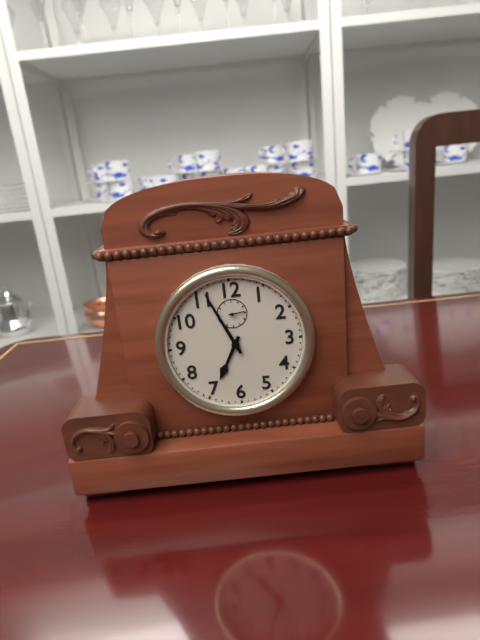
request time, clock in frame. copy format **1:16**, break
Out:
**6:56**
